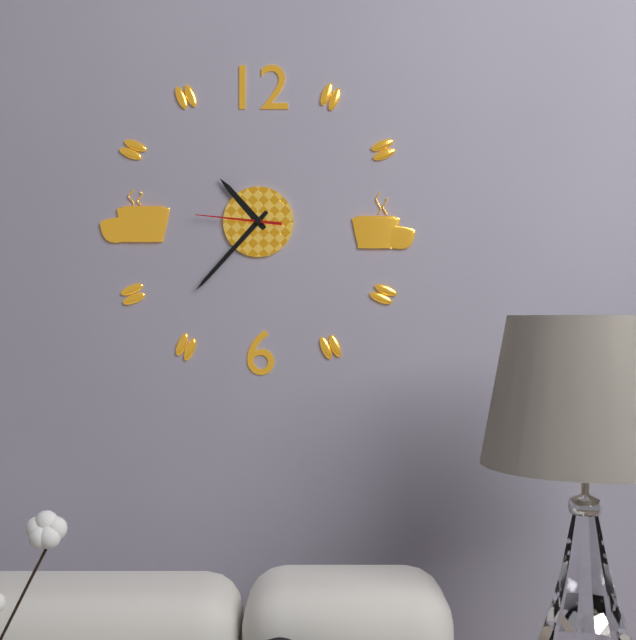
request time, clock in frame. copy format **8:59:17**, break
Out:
**10:37:46**
